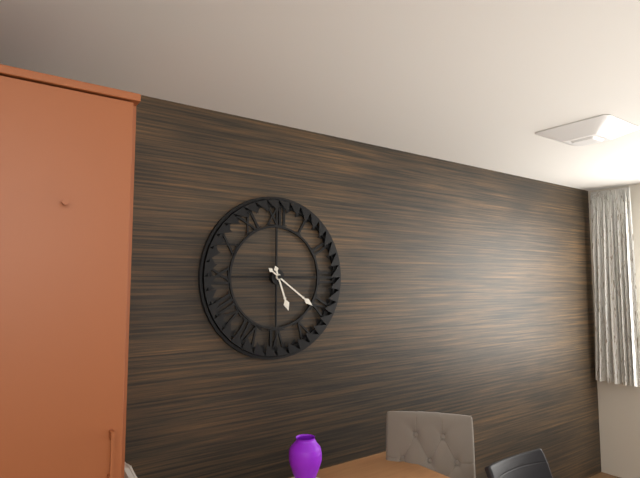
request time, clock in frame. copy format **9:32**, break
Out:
**5:21**
